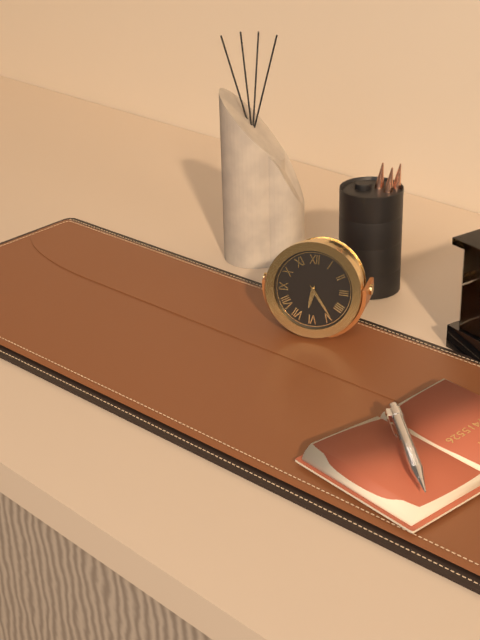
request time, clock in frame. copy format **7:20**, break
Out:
**6:24**
